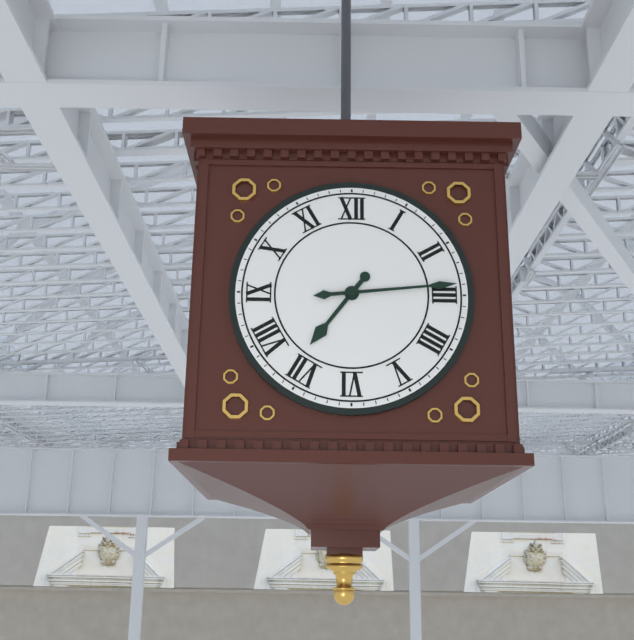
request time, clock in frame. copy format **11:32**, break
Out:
**7:14**
